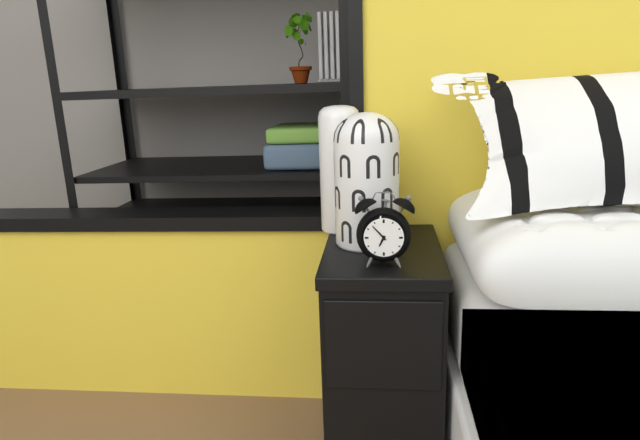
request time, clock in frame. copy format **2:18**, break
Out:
**6:53**
